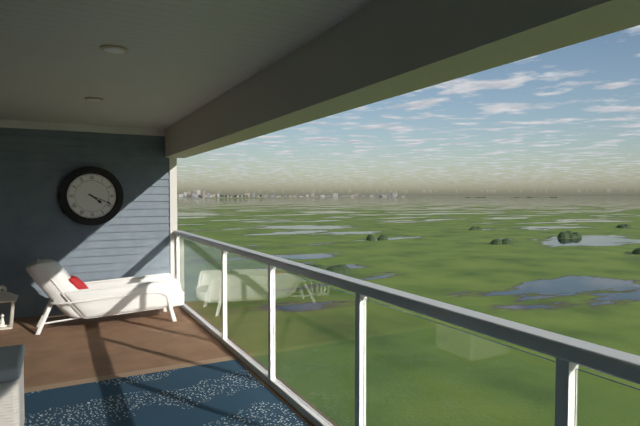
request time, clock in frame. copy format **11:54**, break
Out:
**4:19**
